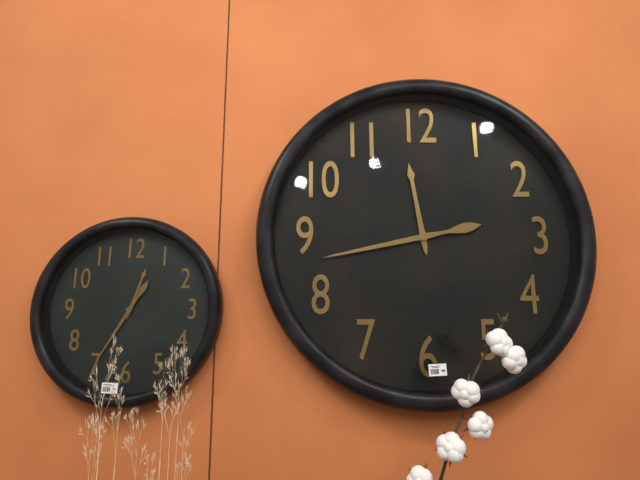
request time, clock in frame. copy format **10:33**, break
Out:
**11:43**
